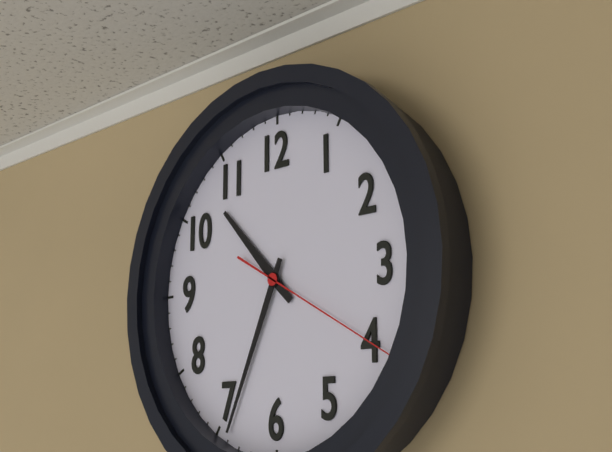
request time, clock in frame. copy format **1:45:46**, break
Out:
**10:34:20**
